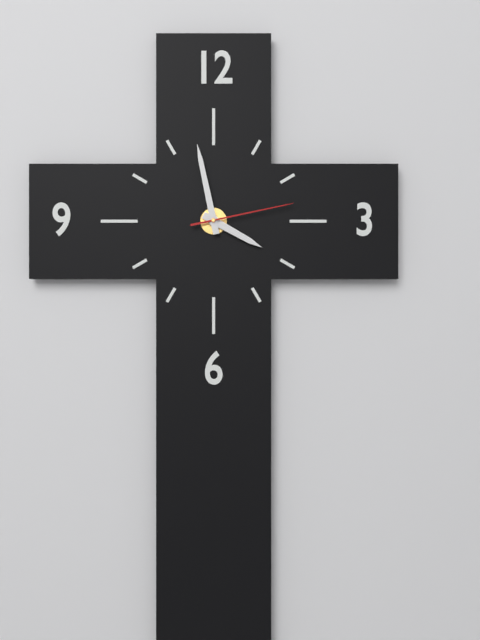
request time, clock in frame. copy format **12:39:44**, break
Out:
**3:58:13**
